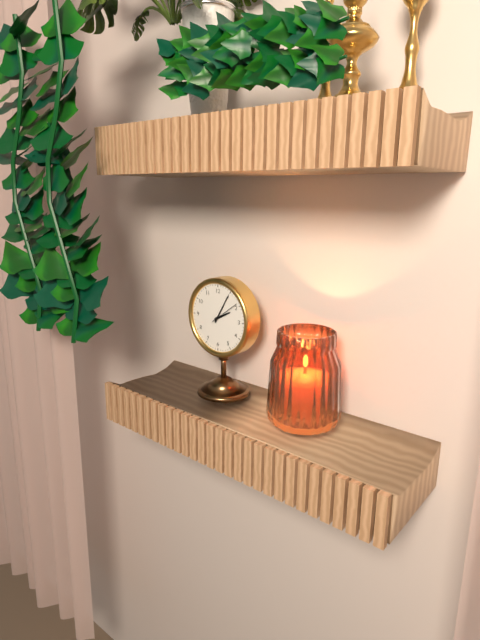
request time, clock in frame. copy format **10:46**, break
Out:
**2:05**
